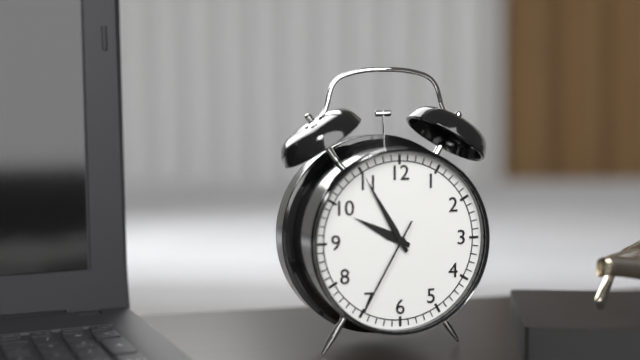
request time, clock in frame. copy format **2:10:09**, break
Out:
**9:55:35**
